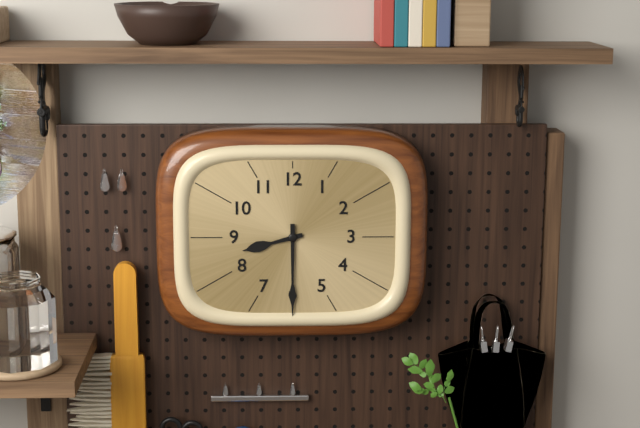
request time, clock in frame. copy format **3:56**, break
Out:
**8:30**
